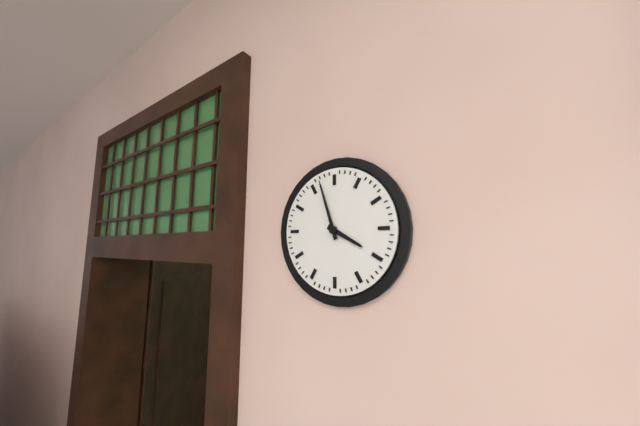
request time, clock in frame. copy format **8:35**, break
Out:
**3:57**
